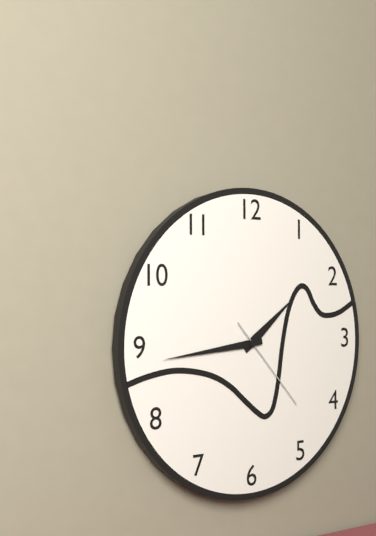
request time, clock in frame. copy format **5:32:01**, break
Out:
**1:44:23**
